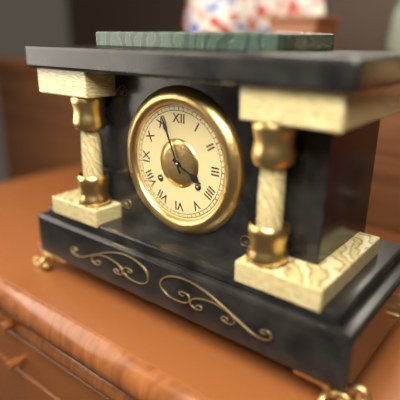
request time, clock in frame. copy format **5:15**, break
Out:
**3:56**
